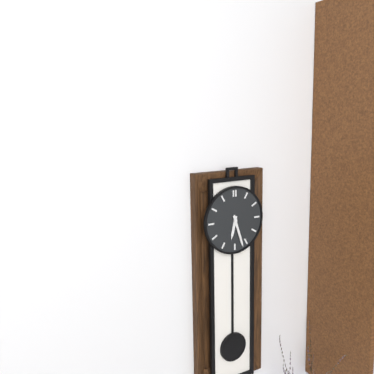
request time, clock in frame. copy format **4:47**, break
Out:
**6:27**
